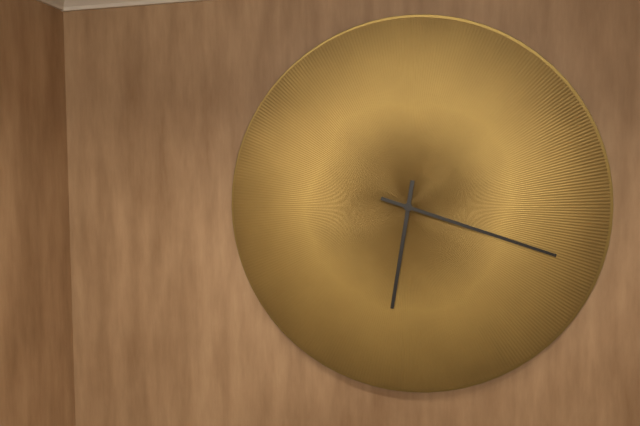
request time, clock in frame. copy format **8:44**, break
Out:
**6:18**
